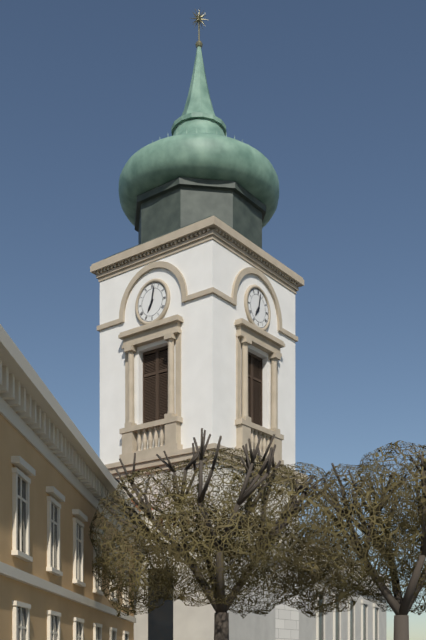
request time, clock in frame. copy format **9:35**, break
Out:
**7:02**
